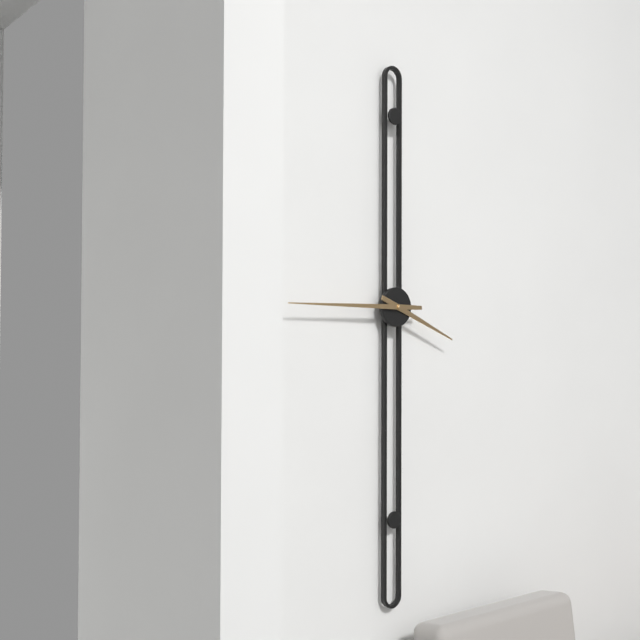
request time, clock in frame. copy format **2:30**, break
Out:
**3:45**
